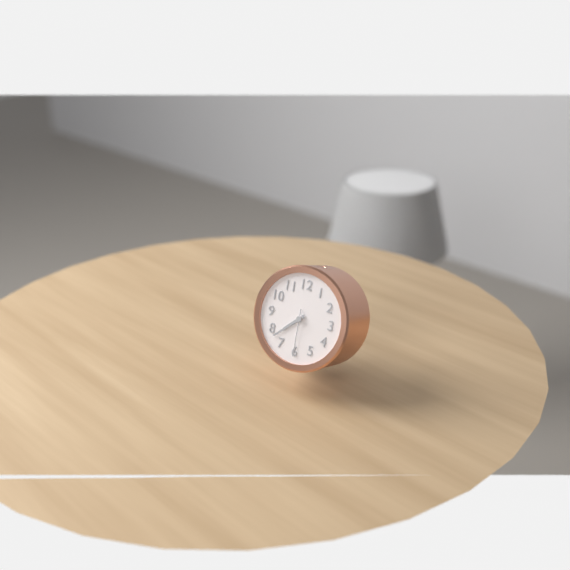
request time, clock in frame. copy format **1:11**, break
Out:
**7:38**
